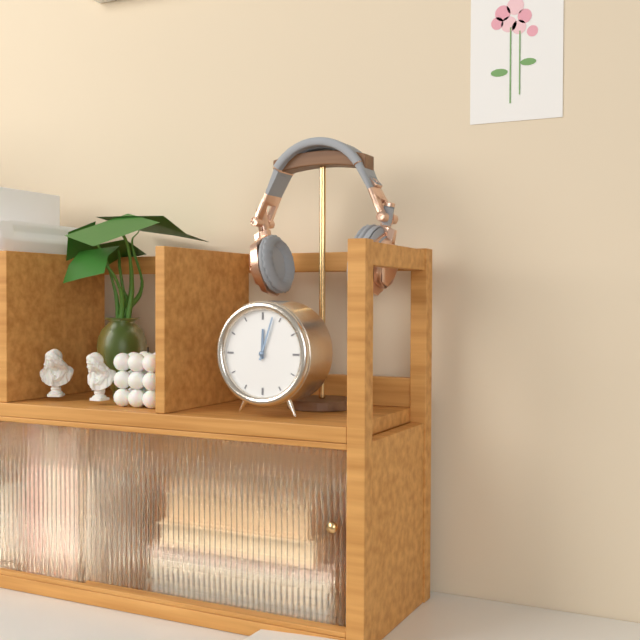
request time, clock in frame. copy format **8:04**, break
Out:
**12:03**
